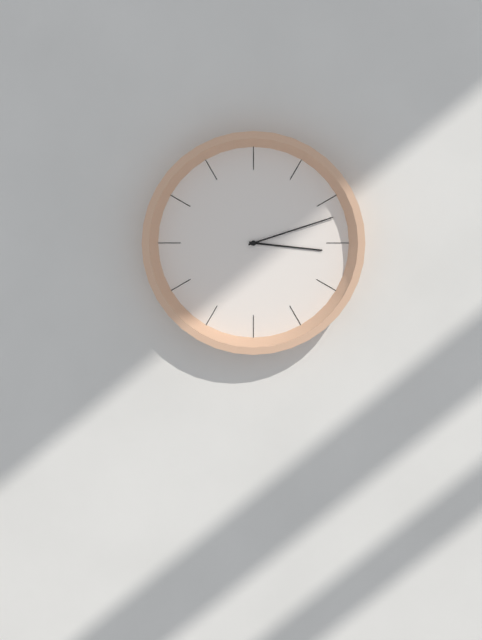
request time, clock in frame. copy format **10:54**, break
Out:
**3:12**
